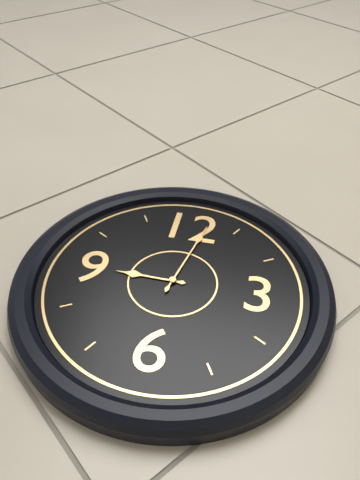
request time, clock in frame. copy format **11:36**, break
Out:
**9:02**
